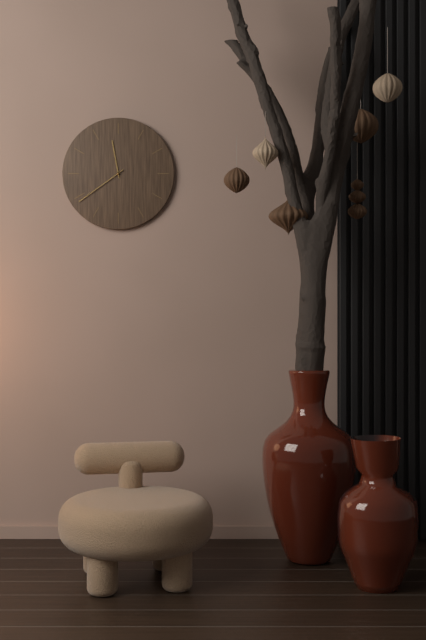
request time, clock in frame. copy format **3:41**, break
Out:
**11:39**
